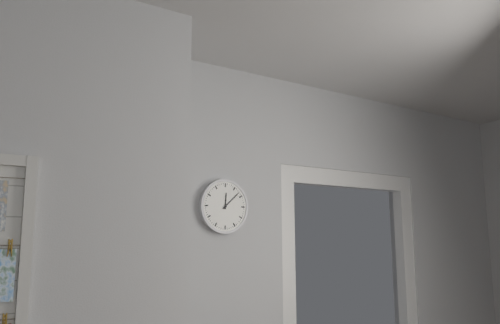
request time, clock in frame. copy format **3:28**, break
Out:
**12:08**
